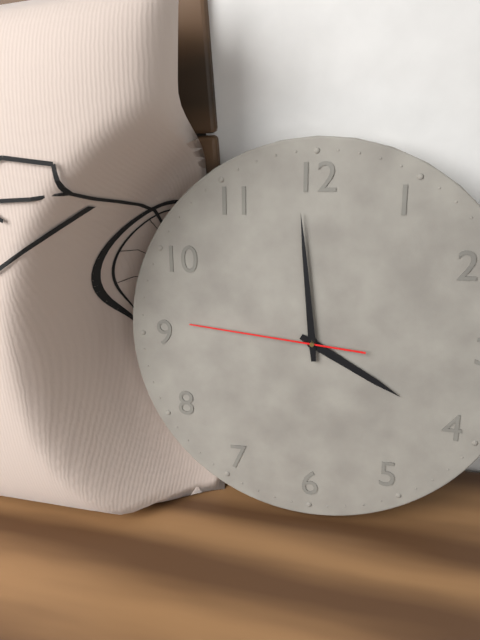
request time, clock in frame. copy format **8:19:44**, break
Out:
**3:59:46**
